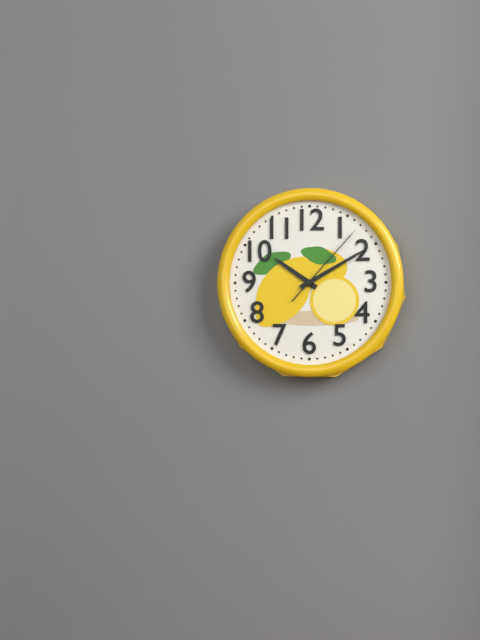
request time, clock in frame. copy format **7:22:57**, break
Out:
**10:10:07**
